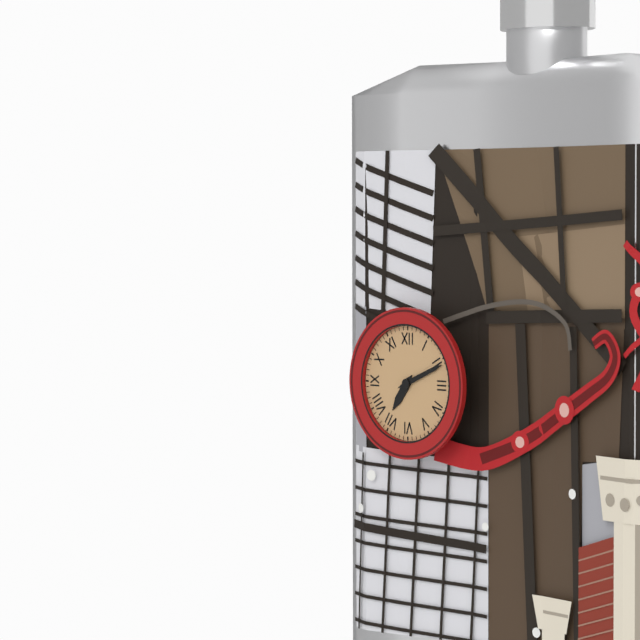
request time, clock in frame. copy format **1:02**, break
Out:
**7:11**
